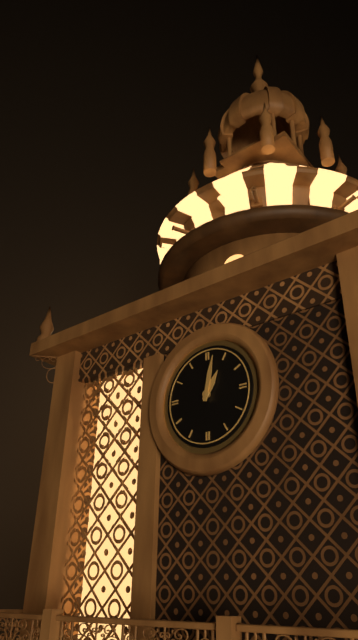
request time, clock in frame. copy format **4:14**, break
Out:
**1:02**
